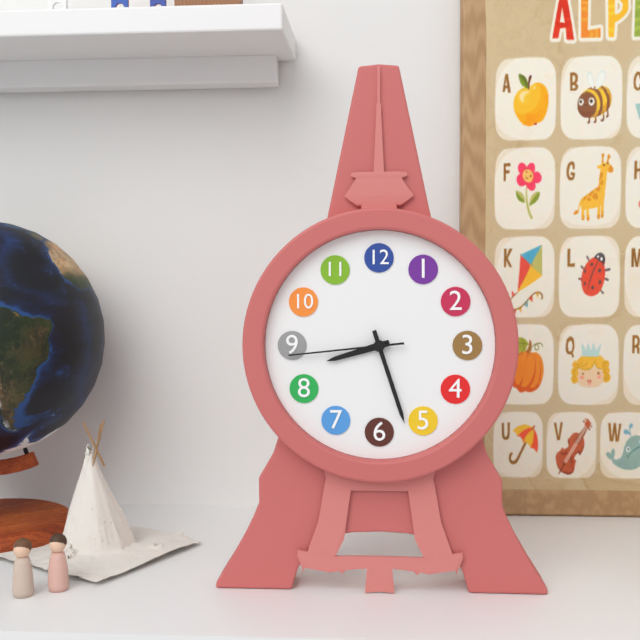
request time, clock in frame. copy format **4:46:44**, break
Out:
**8:27:44**
